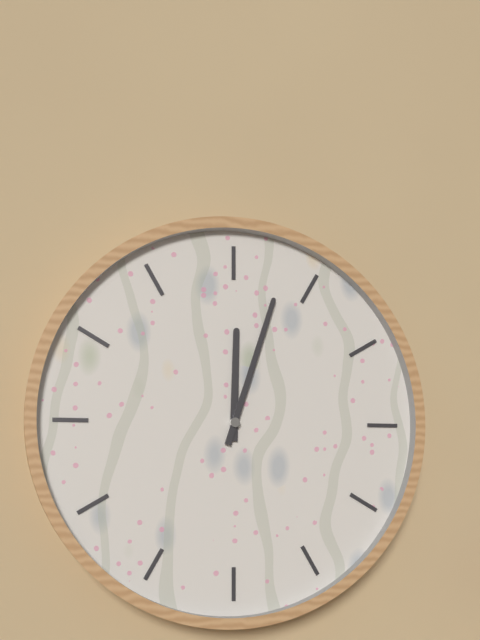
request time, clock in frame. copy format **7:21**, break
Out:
**12:03**
